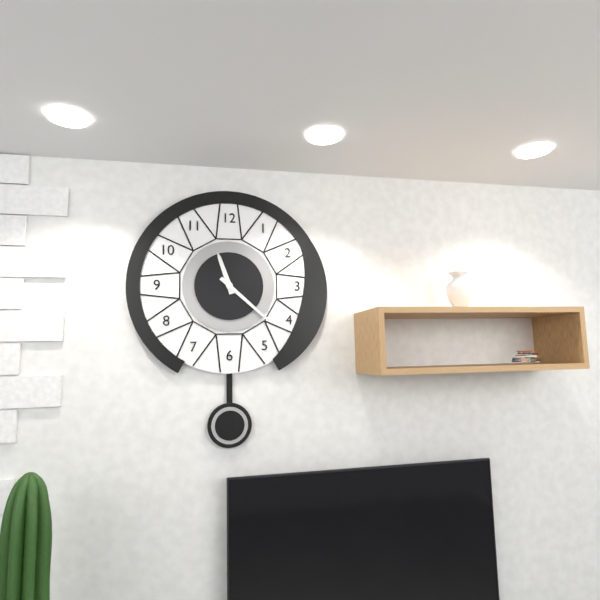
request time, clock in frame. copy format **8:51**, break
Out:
**11:22**
